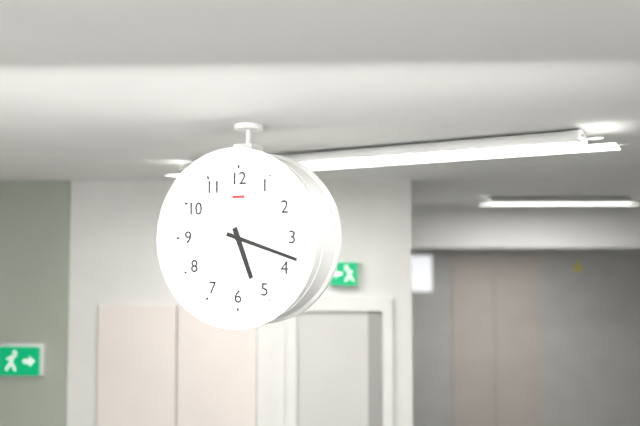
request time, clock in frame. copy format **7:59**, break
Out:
**5:18**
